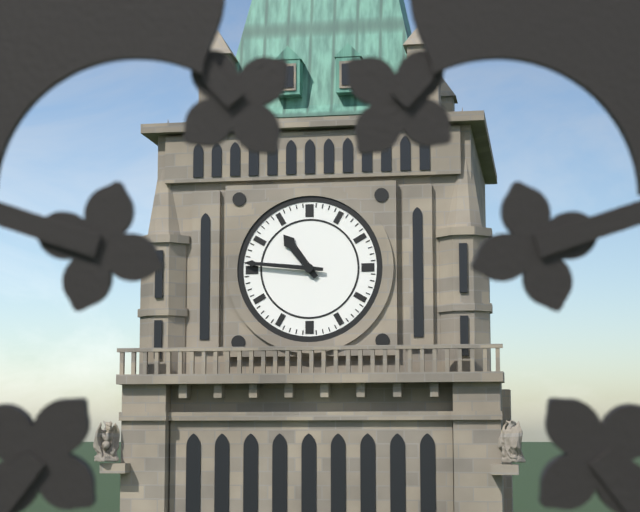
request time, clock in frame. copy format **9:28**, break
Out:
**10:46**
